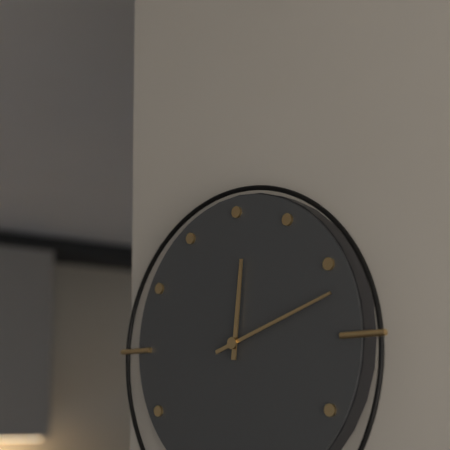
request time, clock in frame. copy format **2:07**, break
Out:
**12:12**
